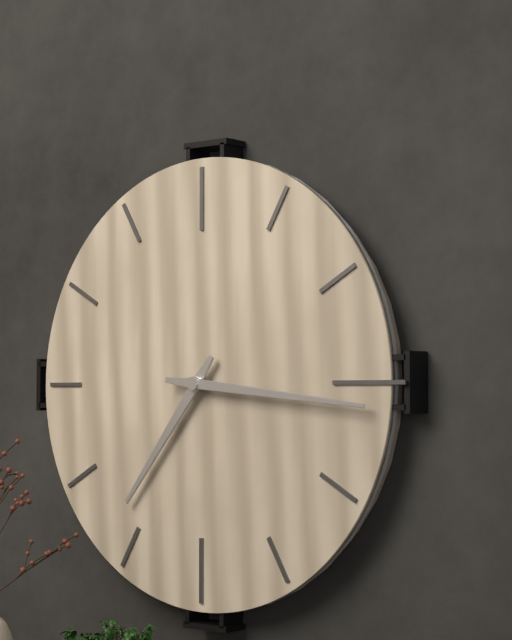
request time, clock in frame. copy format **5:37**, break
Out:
**7:16**
